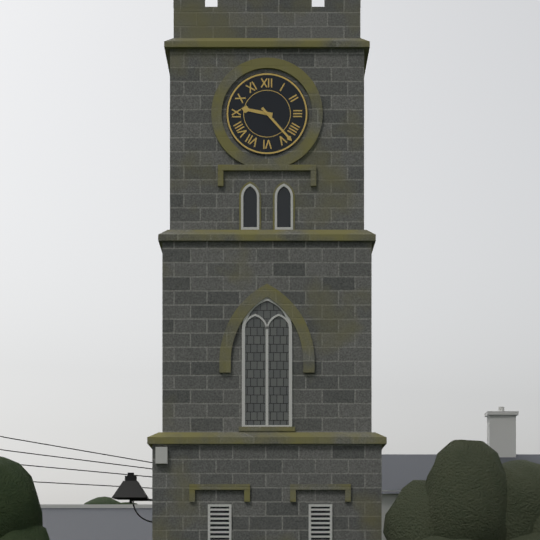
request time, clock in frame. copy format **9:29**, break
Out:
**9:23**
